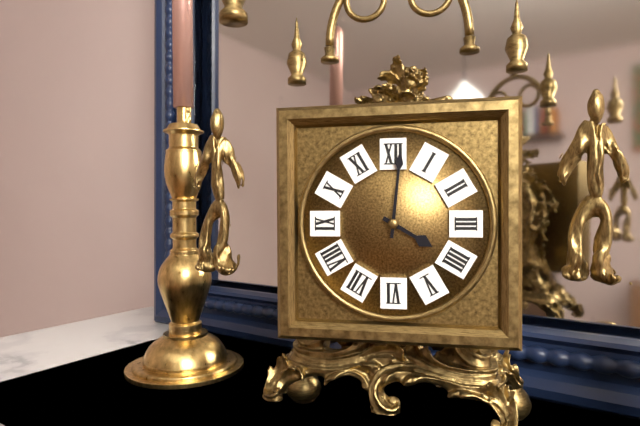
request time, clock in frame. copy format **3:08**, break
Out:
**4:01**
